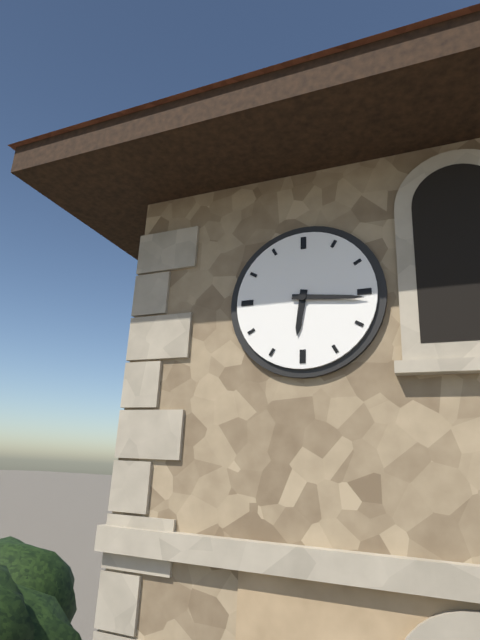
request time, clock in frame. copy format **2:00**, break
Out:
**6:16**
